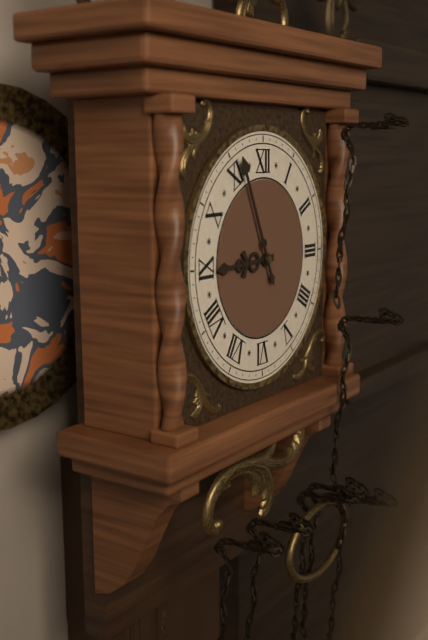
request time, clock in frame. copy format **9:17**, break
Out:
**8:56**
